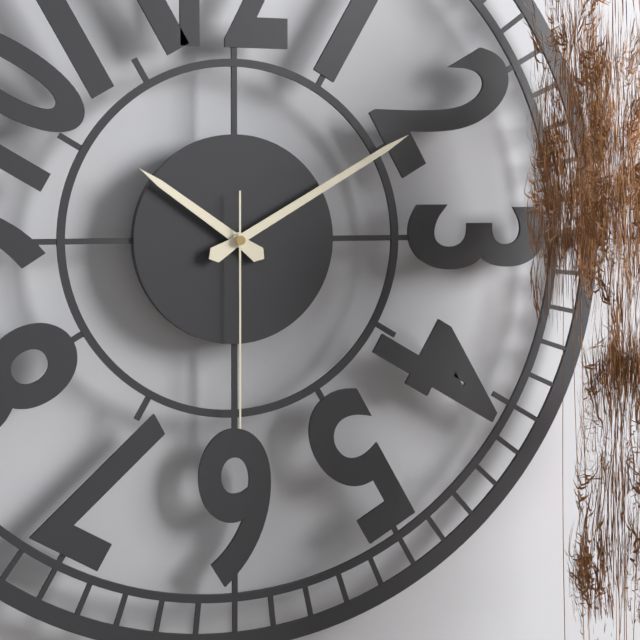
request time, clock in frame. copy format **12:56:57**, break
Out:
**10:10:30**
